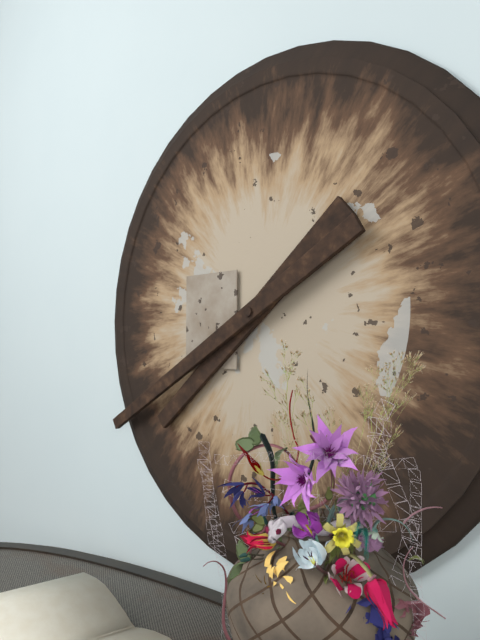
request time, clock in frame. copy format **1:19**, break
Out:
**7:40**
